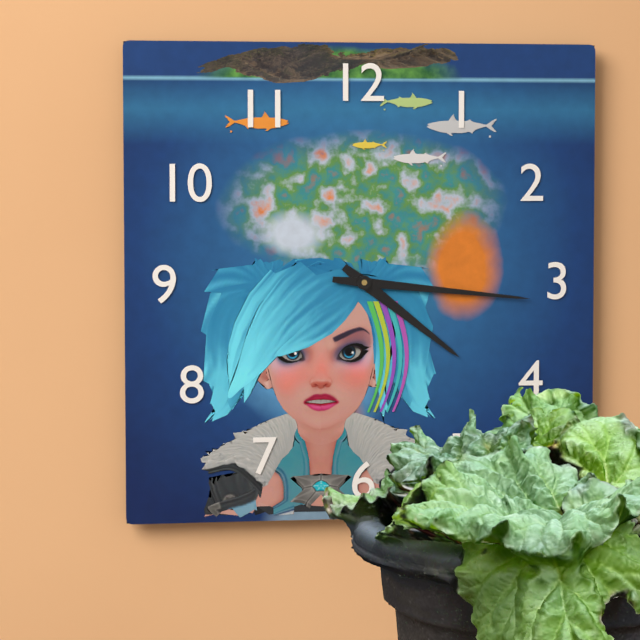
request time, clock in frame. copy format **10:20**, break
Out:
**4:16**
